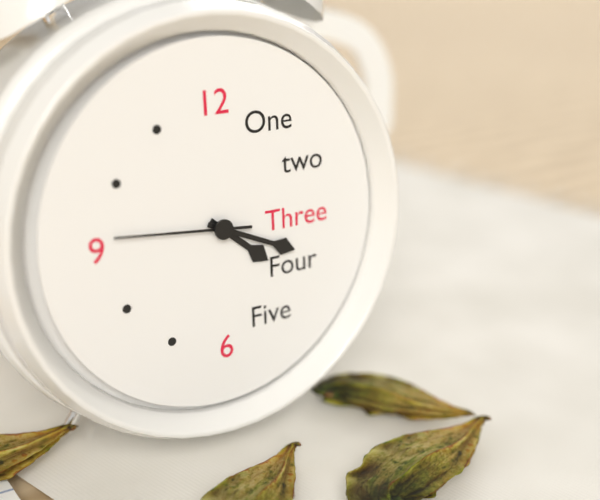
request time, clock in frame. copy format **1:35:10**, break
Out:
**4:19:46**
